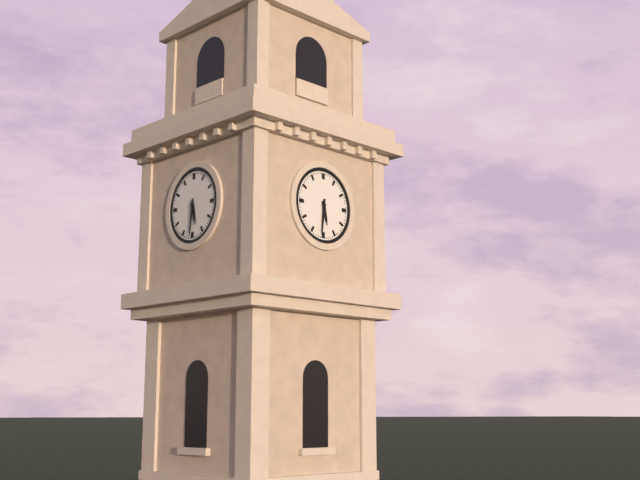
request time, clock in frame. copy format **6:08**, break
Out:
**5:31**
